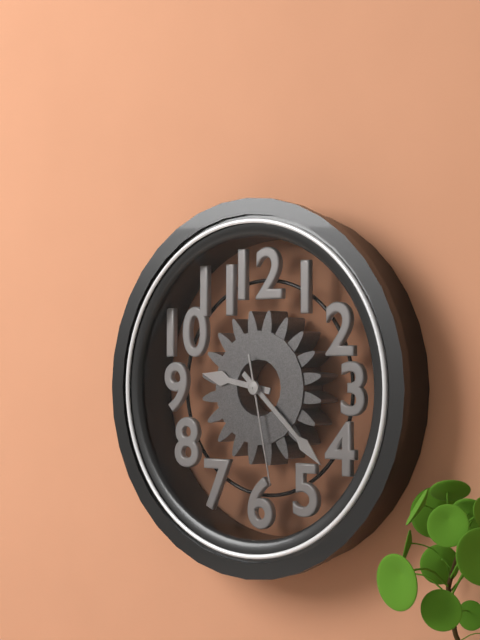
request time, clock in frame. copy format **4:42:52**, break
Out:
**9:22:28**
